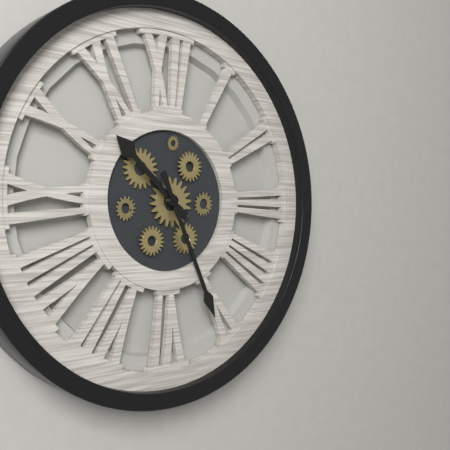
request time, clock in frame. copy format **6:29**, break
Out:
**10:26**
